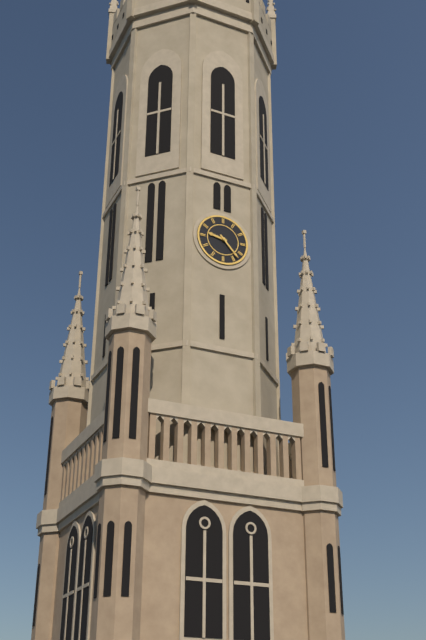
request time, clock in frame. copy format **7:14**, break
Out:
**9:23**
